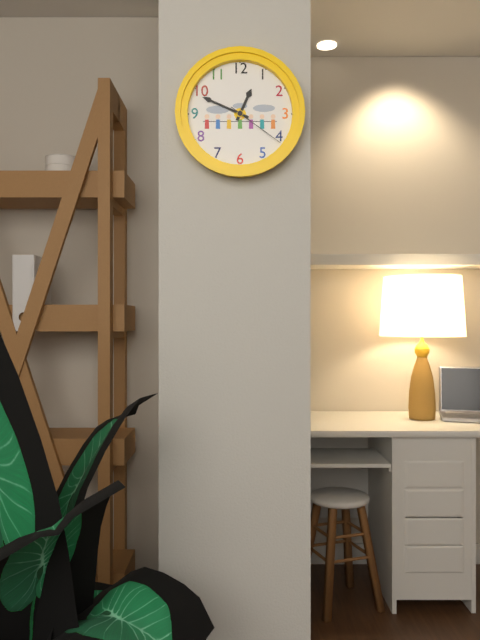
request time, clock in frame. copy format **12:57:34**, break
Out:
**12:49:21**
